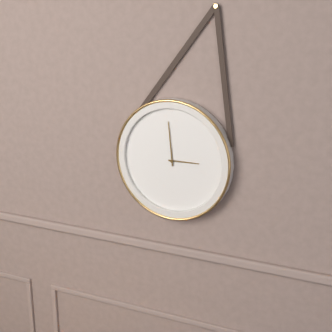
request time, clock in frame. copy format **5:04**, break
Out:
**2:59**
